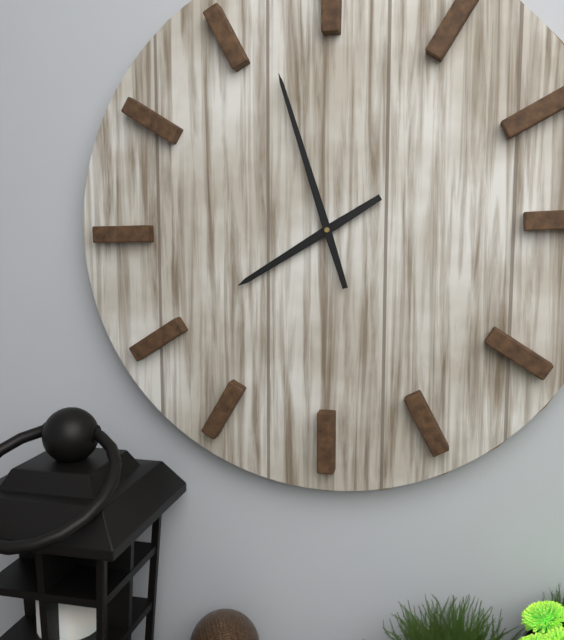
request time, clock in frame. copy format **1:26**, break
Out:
**7:57**
